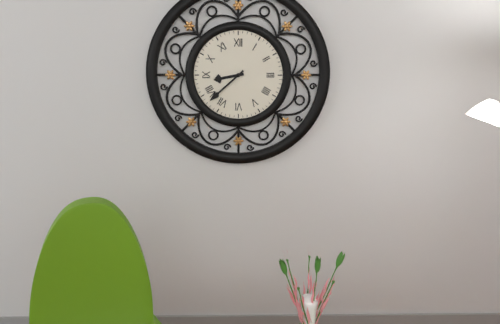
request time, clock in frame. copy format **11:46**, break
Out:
**8:38**
